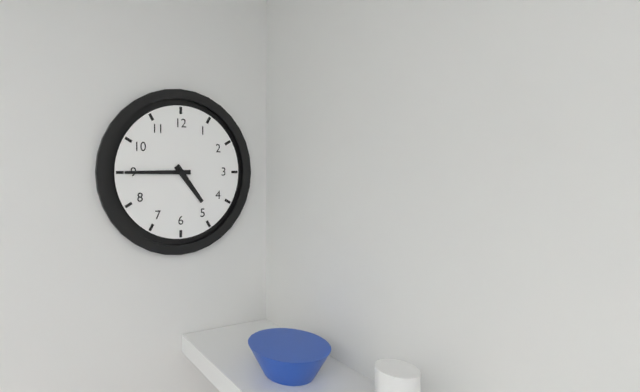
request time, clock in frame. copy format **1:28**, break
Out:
**4:45**
